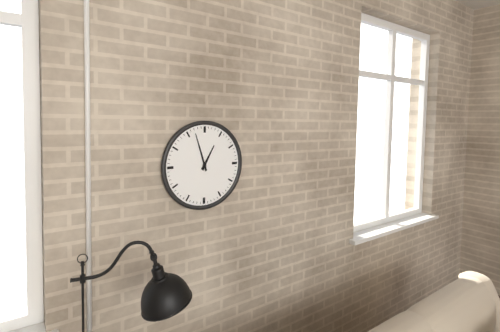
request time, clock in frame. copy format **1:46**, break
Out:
**12:57**
